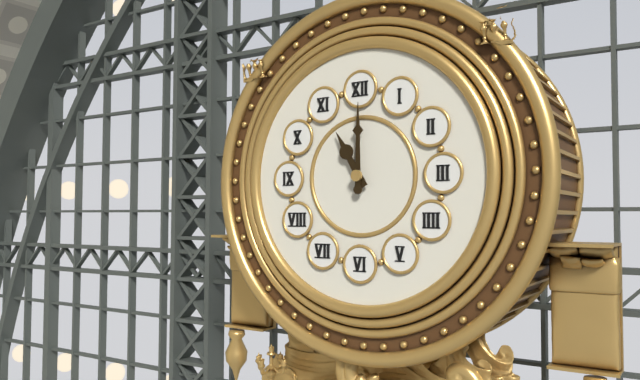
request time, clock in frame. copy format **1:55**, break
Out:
**11:00**
